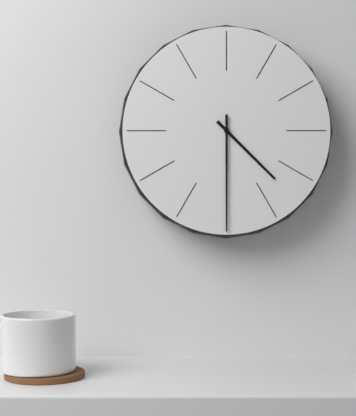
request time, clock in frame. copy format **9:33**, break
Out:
**4:30**
